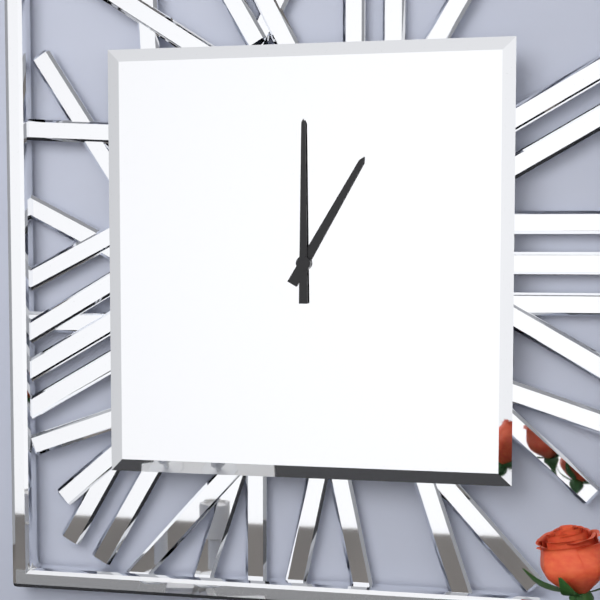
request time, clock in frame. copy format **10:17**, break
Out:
**1:00**
